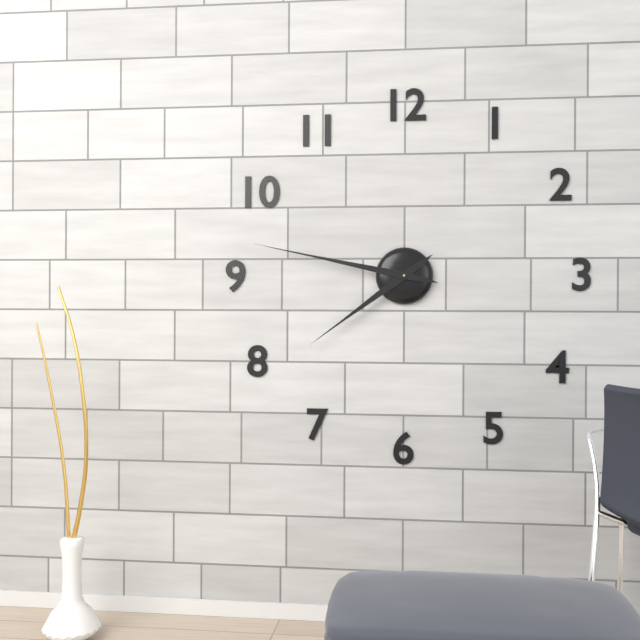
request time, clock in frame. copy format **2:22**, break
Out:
**7:47**
